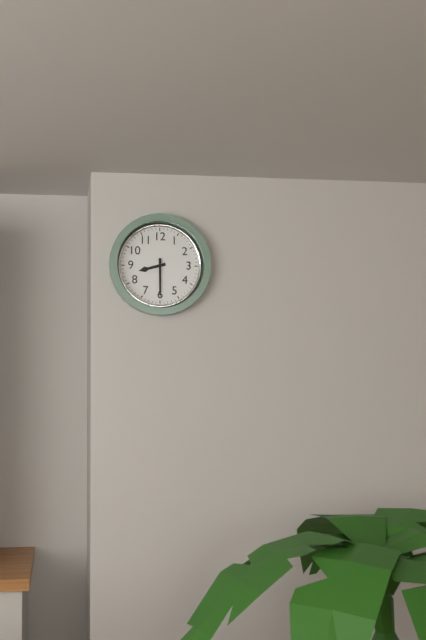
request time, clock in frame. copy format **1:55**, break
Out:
**8:30**
